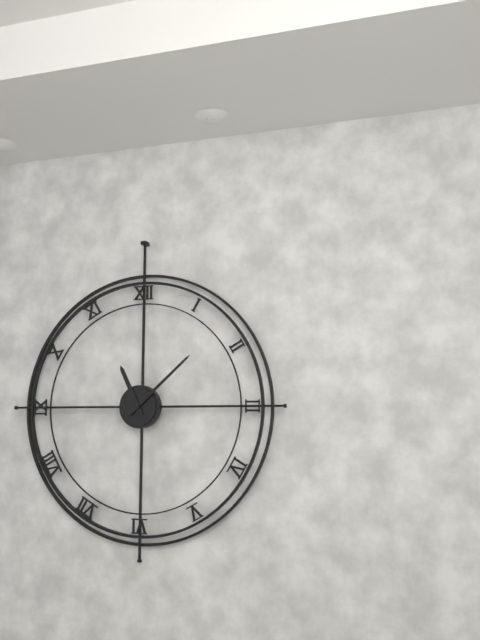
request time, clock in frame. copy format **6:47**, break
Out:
**11:08**
